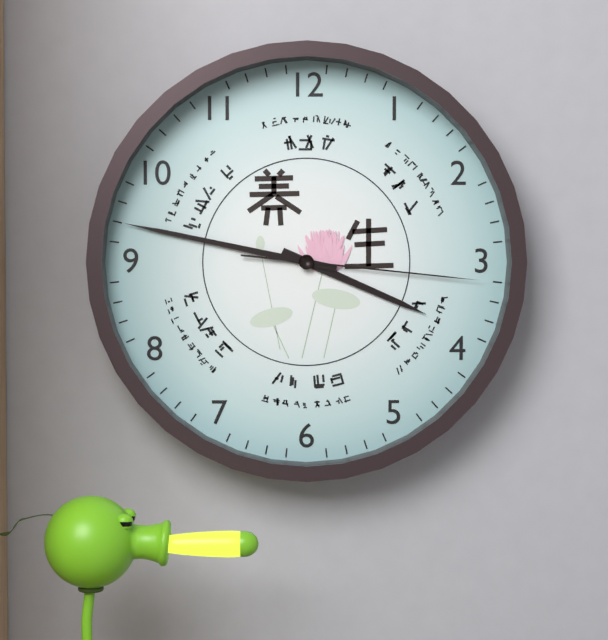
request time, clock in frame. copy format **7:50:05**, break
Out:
**3:47:16**
